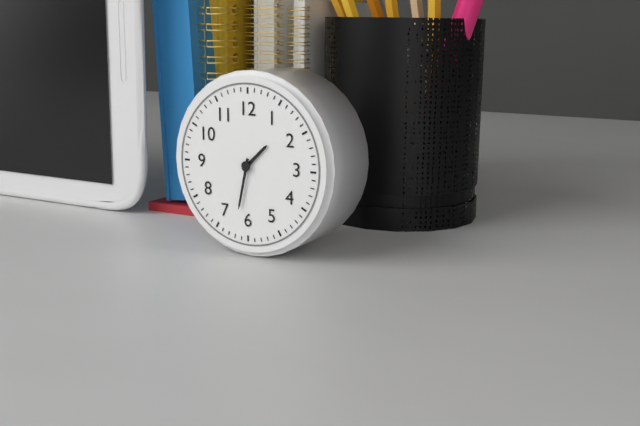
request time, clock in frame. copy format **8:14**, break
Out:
**1:32**
